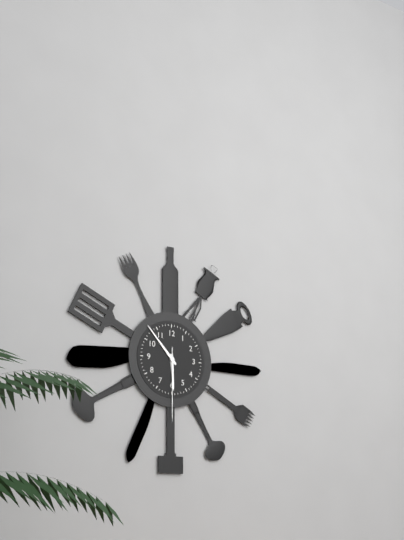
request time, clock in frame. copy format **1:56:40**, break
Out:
**5:53:30**
